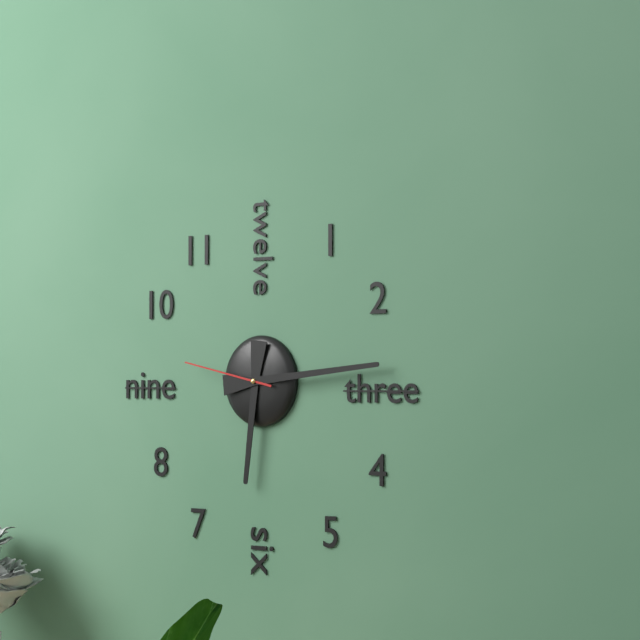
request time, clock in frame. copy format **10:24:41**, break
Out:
**6:14:47**
